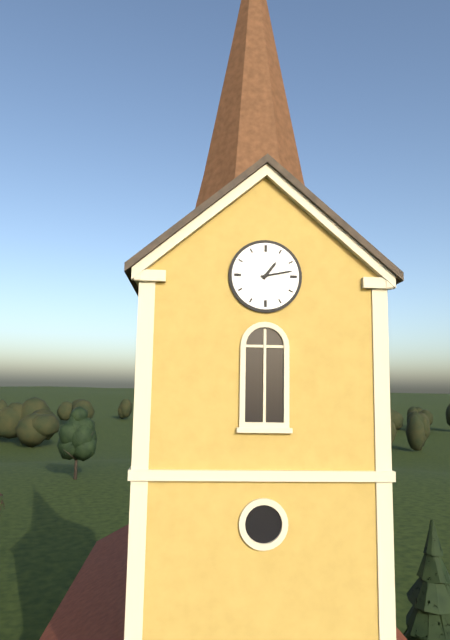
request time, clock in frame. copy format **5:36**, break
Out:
**1:13**
